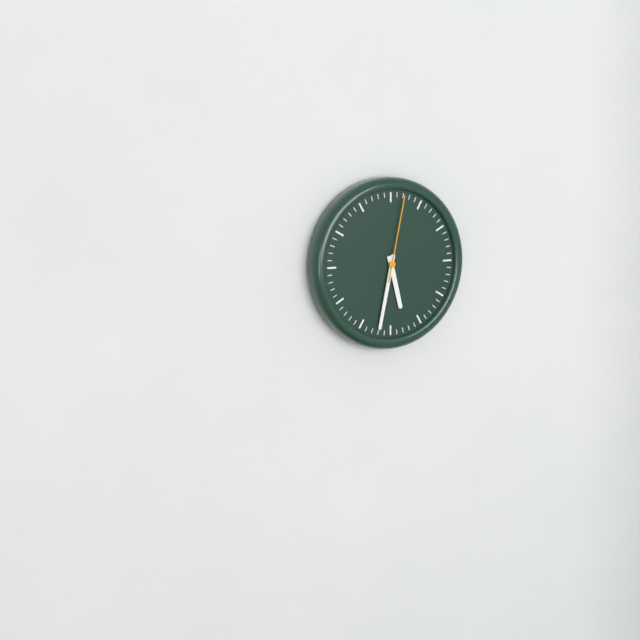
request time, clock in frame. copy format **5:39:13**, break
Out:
**5:32:02**
